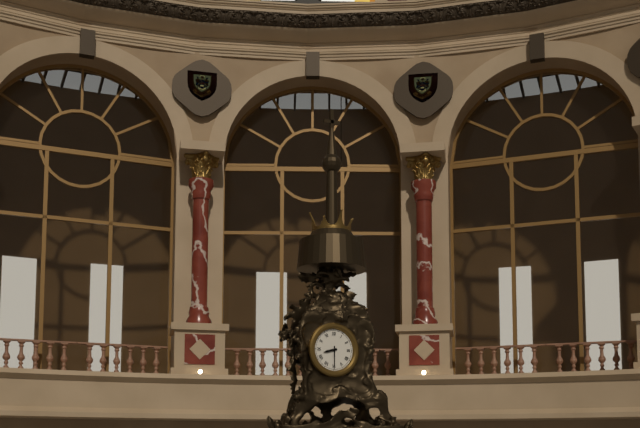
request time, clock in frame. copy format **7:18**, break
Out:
**8:30**
